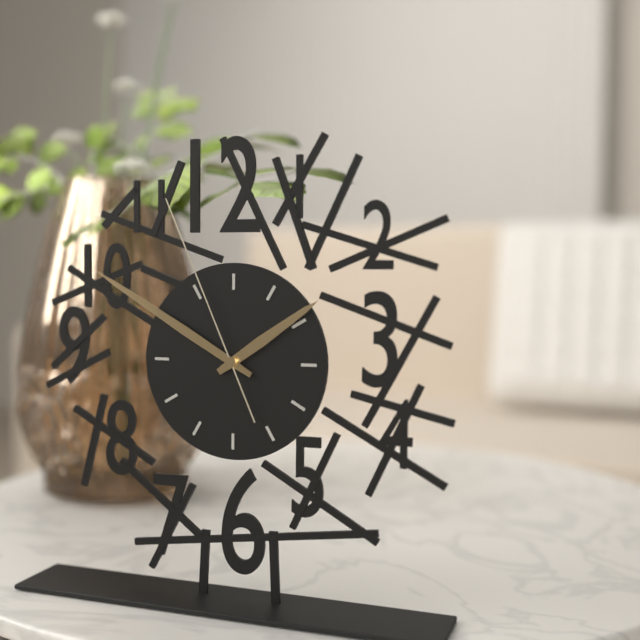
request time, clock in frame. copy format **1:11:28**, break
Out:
**1:50:56**
